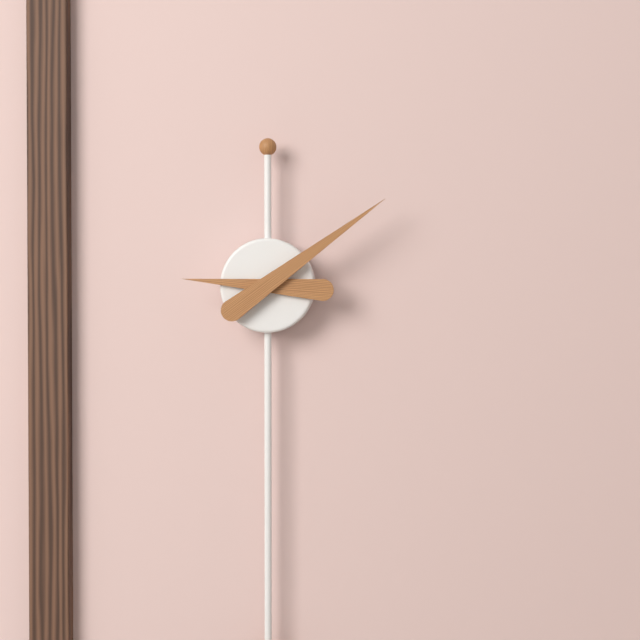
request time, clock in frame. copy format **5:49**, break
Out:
**9:09**
